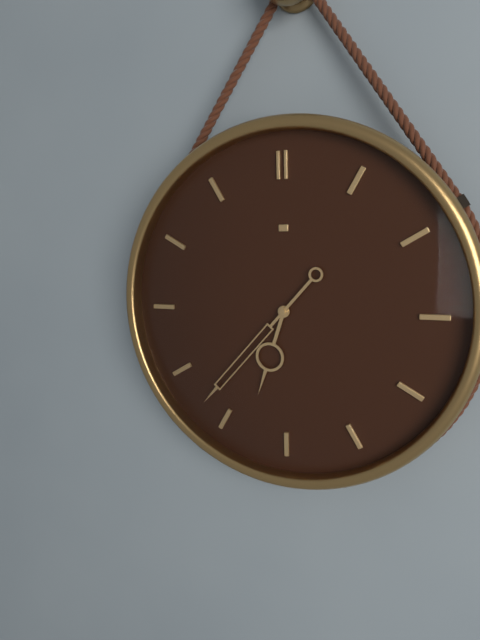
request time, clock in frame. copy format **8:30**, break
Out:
**6:37**
